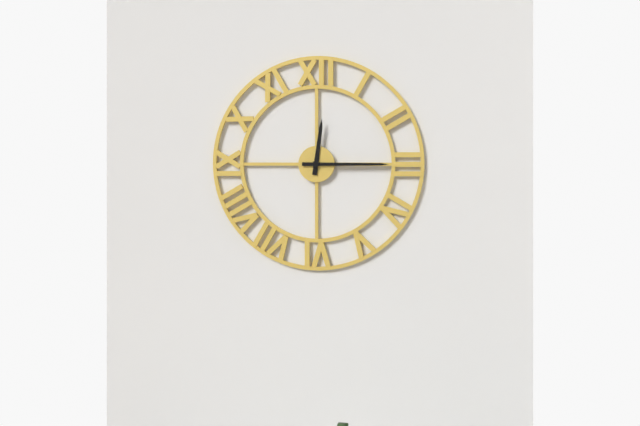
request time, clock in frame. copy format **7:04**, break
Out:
**12:15**
